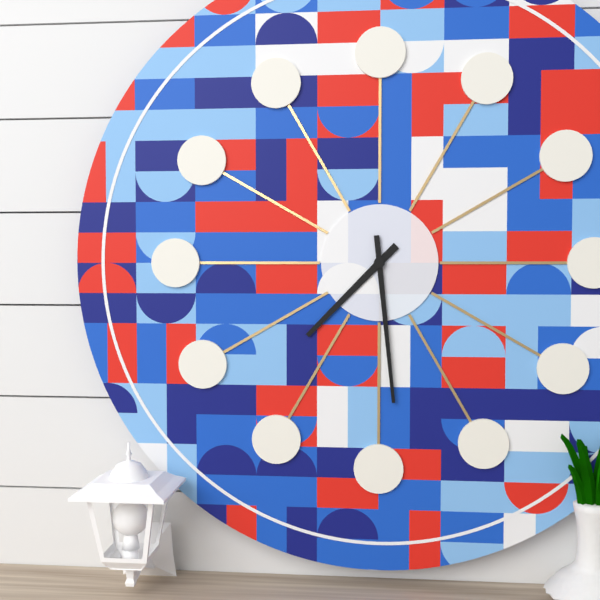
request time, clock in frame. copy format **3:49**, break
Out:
**7:29**
